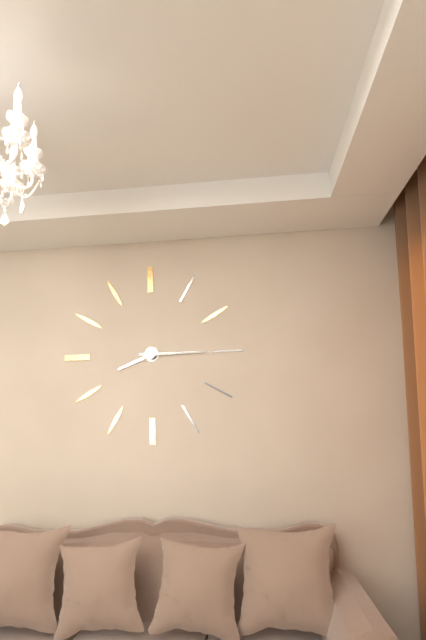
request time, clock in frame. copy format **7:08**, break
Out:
**8:15**
